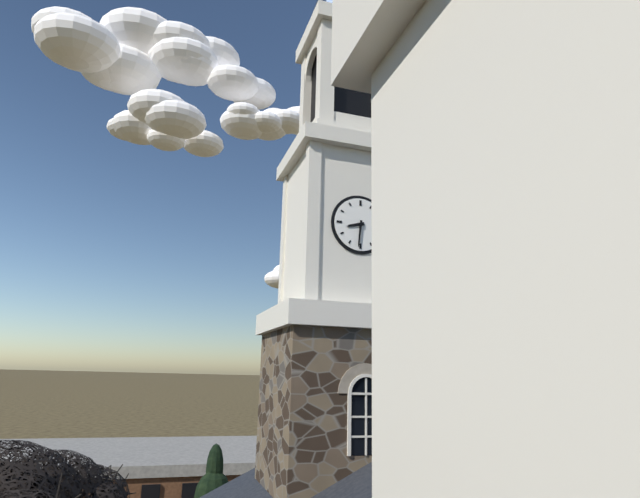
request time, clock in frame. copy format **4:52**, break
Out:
**8:31**
